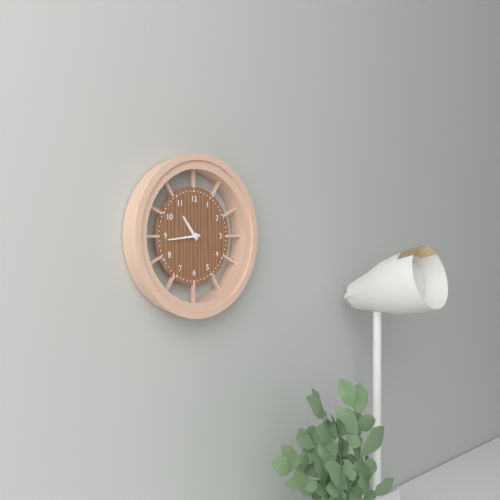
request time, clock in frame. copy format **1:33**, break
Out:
**10:44**
